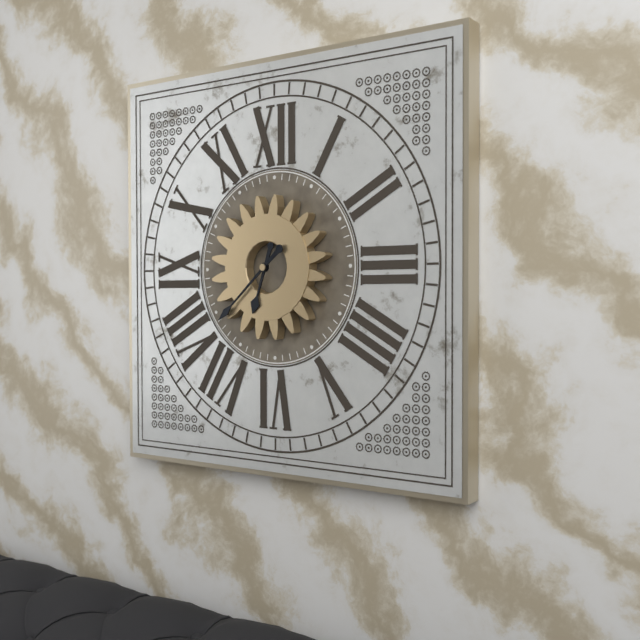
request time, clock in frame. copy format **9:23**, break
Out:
**6:38**
